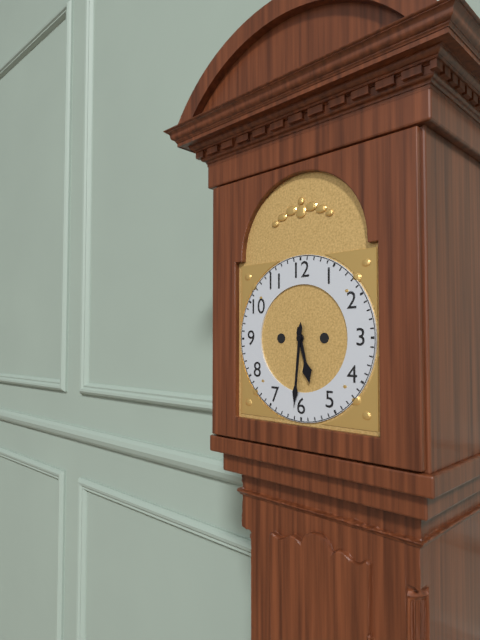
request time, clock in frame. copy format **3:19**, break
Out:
**5:31**
